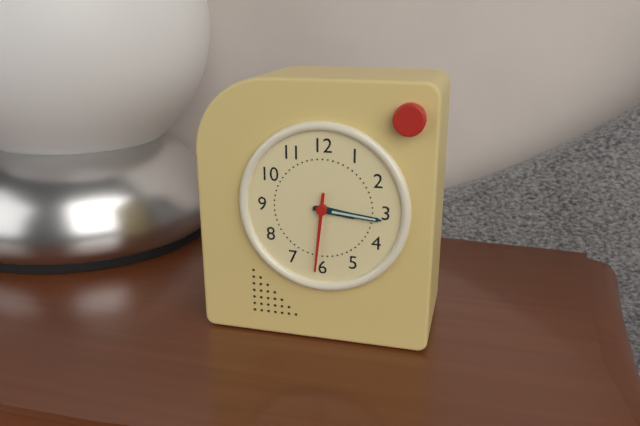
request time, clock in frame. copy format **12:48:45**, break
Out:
**3:16:31**
